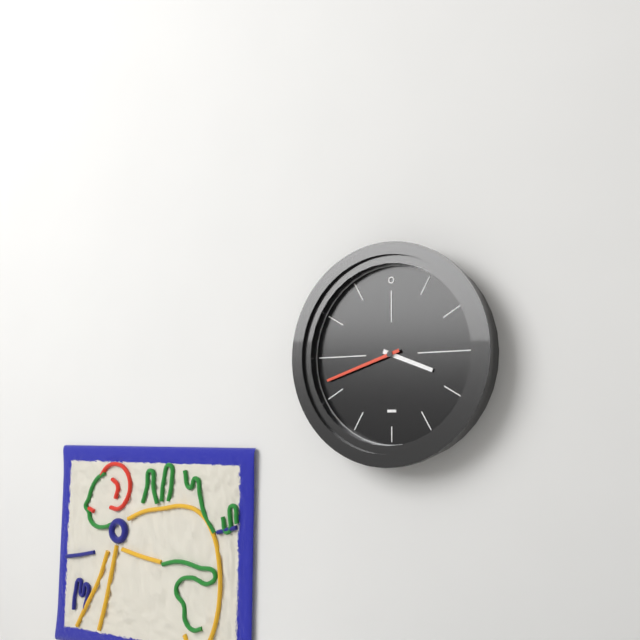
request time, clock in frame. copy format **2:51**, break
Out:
**3:42**
